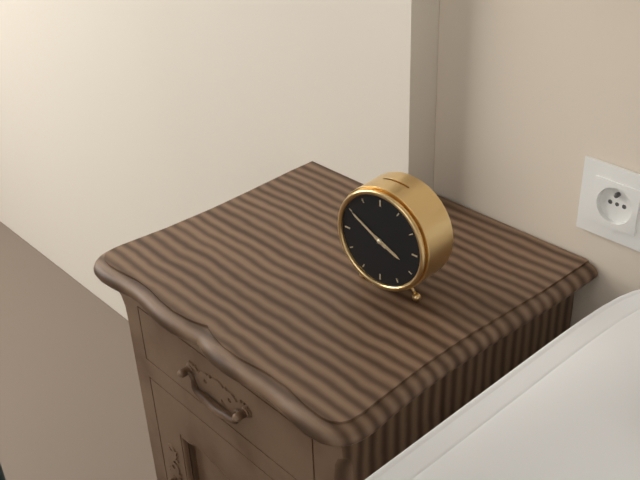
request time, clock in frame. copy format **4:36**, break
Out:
**3:50**
